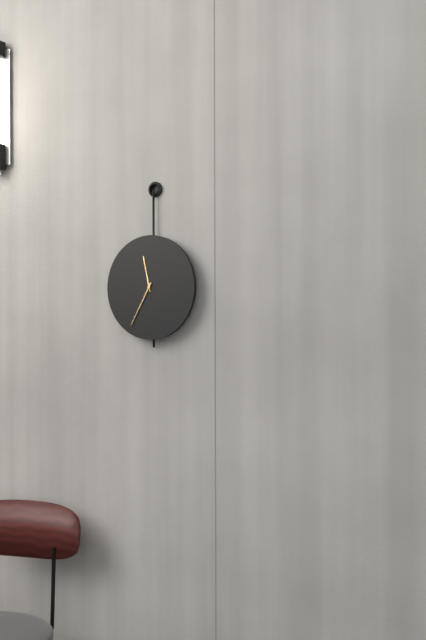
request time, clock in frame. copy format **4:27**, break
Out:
**11:35**
